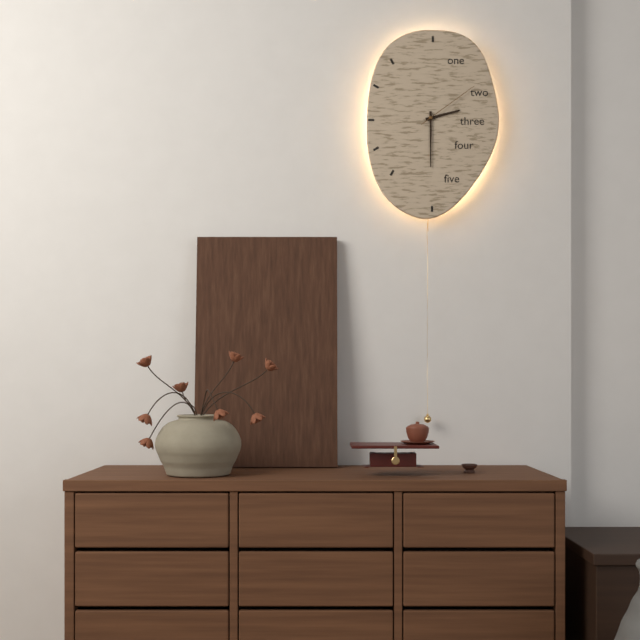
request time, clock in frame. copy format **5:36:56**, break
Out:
**2:30:09**
